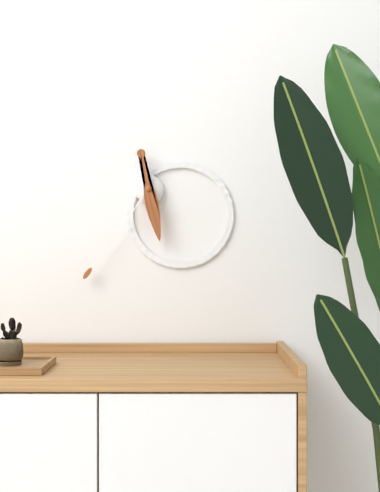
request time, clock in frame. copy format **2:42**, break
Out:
**5:36**
